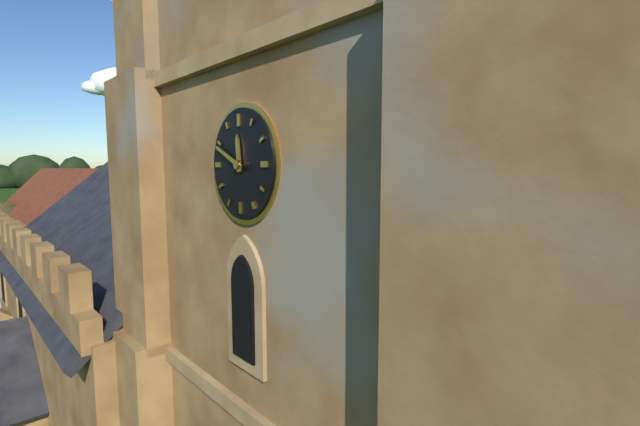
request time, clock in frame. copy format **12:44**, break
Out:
**11:49**
